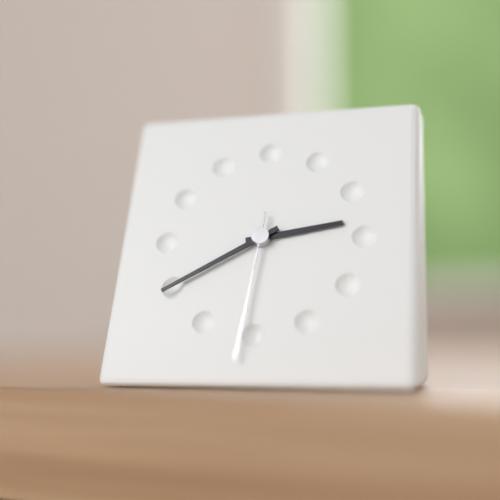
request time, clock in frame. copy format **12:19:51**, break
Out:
**2:40:31**
